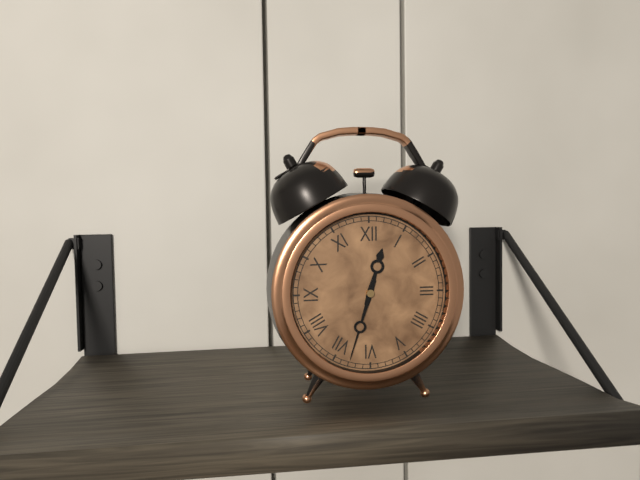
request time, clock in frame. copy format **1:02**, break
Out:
**12:33**
